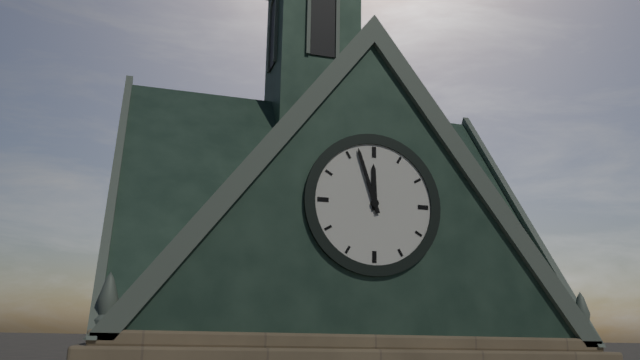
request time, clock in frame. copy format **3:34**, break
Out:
**11:57**
